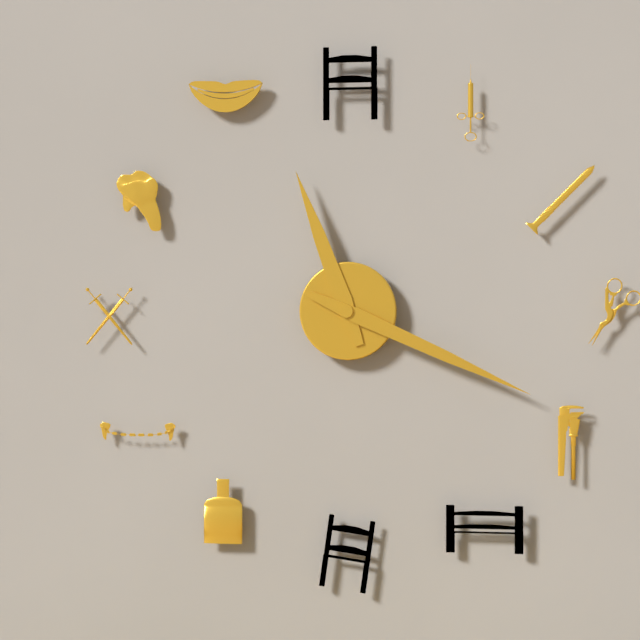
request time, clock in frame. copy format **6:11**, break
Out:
**11:19**
